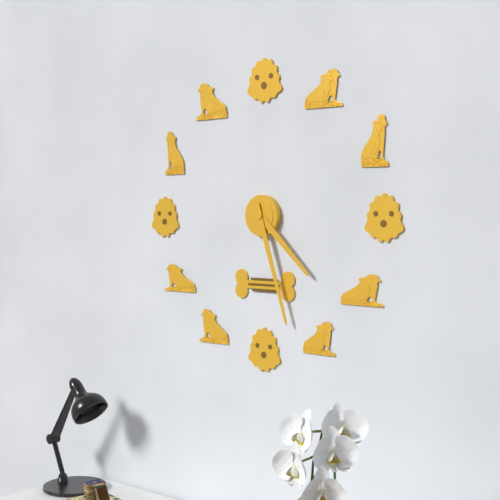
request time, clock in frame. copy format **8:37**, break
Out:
**4:27**
